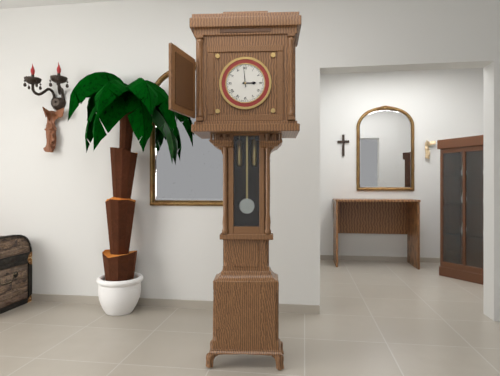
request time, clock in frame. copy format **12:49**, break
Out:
**2:59**
